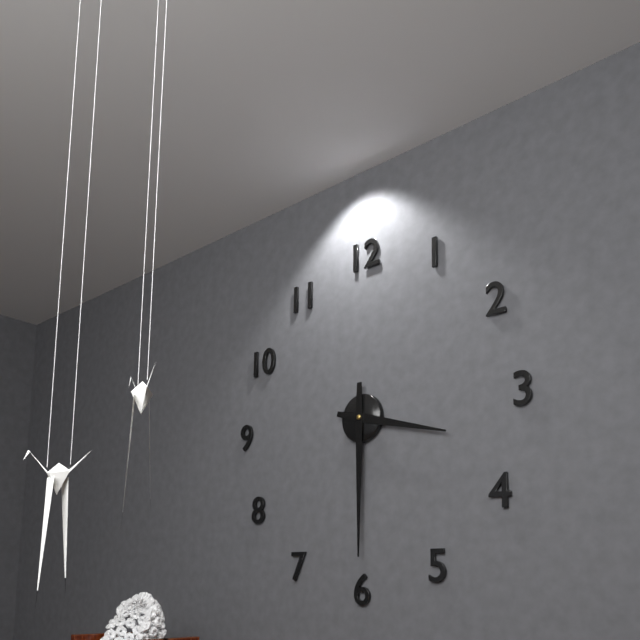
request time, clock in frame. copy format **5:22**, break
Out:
**3:30**
